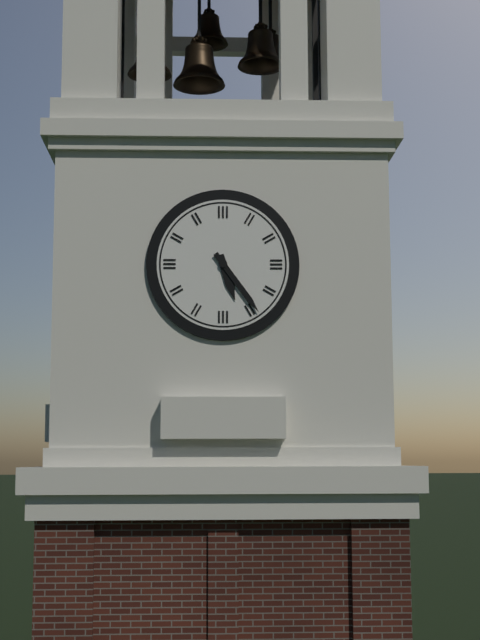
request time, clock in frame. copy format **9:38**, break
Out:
**5:24**
